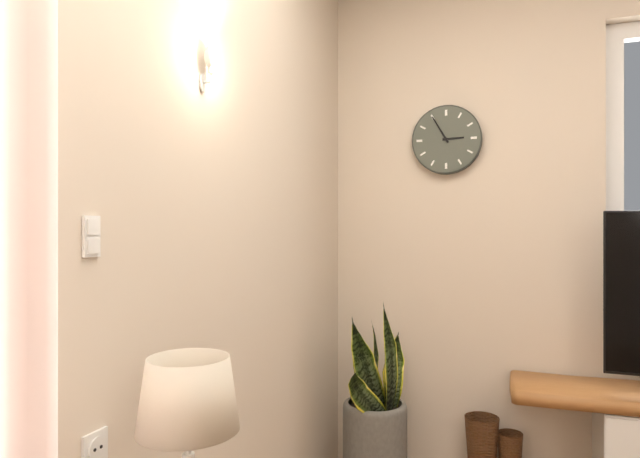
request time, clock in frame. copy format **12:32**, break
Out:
**2:55**
